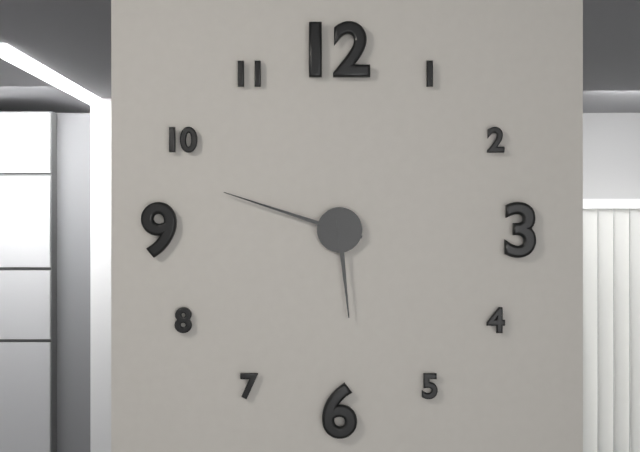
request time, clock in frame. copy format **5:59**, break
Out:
**5:48**
